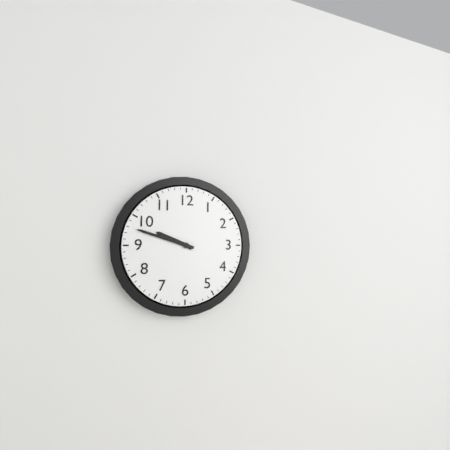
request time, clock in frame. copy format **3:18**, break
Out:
**9:48**
